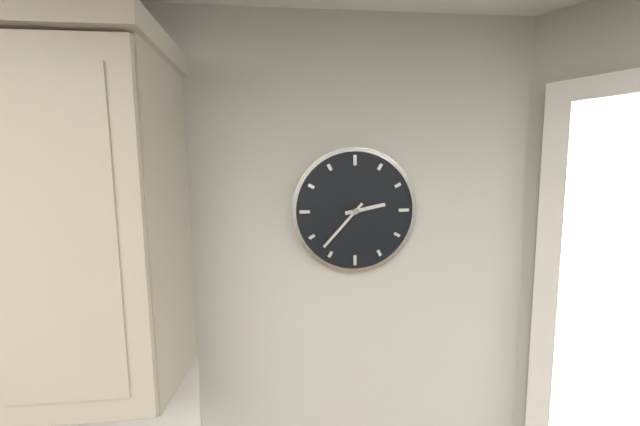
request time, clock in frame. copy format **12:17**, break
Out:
**2:37**
